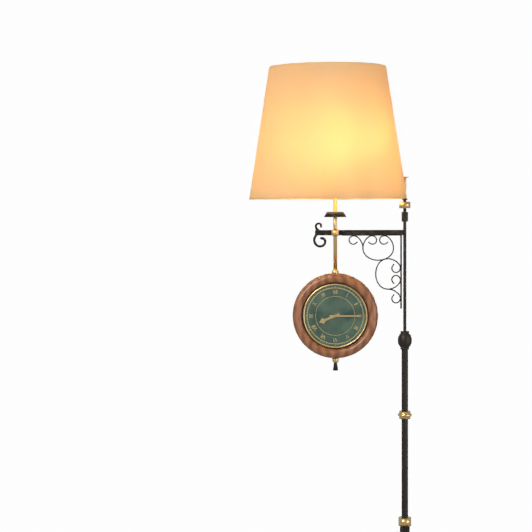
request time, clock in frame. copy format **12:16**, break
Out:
**8:15**
